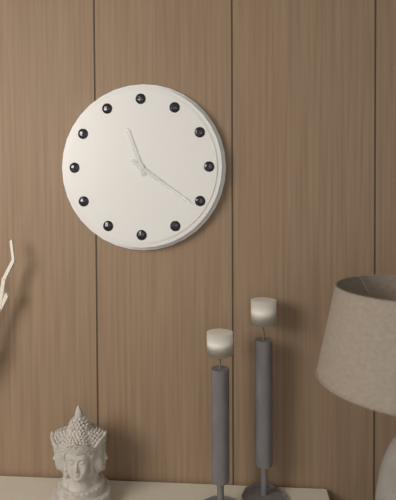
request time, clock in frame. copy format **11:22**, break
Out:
**11:21**
